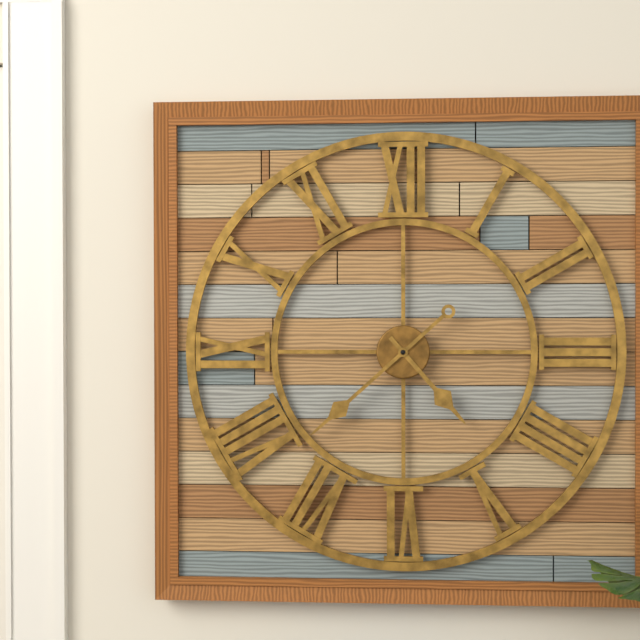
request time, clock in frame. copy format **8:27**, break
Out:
**4:38**
